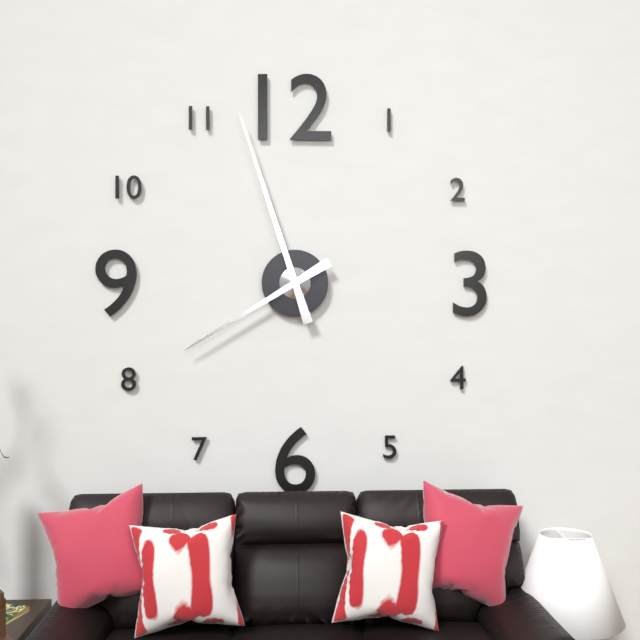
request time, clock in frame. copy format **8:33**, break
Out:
**7:57**
